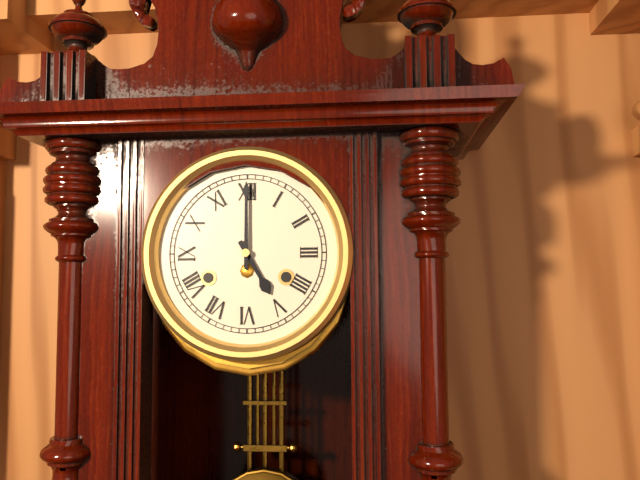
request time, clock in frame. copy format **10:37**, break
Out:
**5:00**
